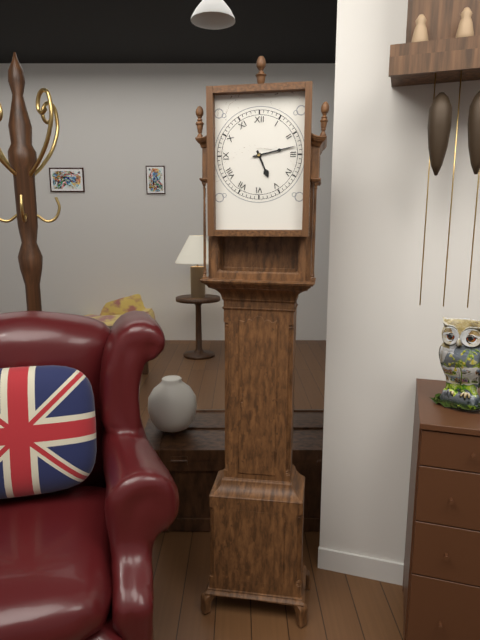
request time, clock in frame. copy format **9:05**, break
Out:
**5:13**
